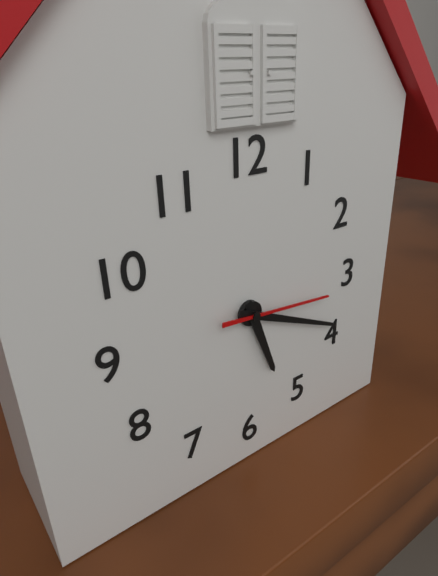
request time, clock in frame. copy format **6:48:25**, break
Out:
**5:19:16**
